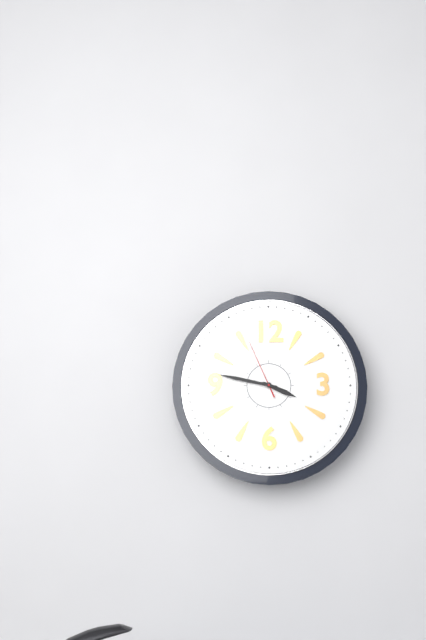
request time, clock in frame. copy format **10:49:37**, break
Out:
**3:47:56**
